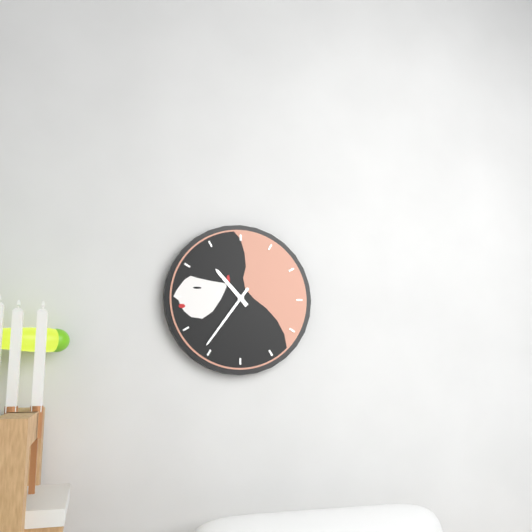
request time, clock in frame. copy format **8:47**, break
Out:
**10:36**
